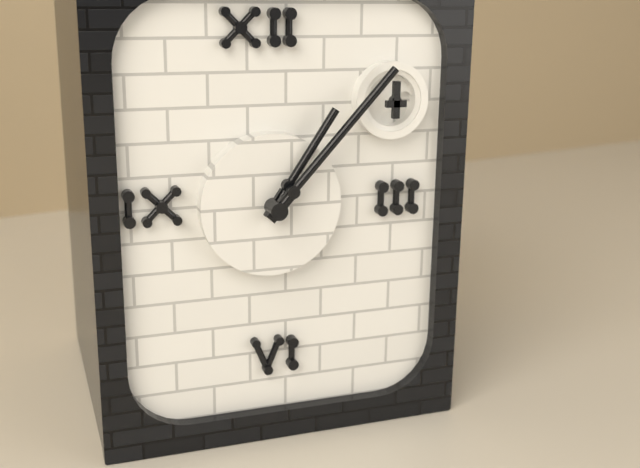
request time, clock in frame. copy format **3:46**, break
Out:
**1:07**
